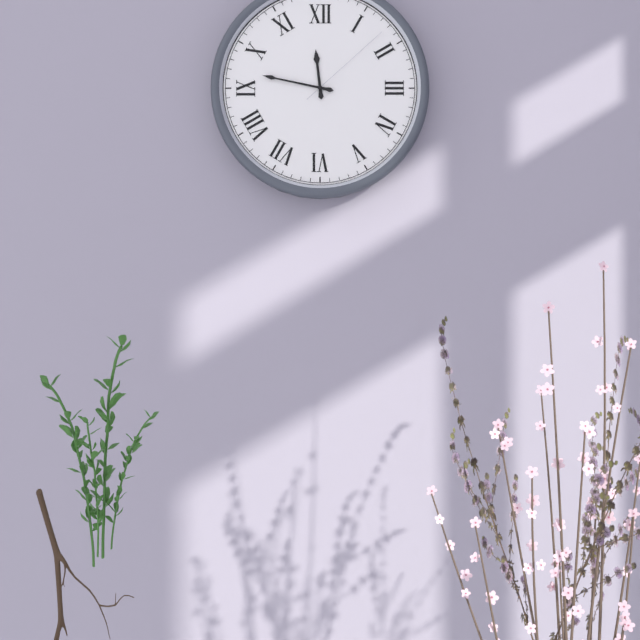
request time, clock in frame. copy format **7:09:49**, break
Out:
**11:47:08**
